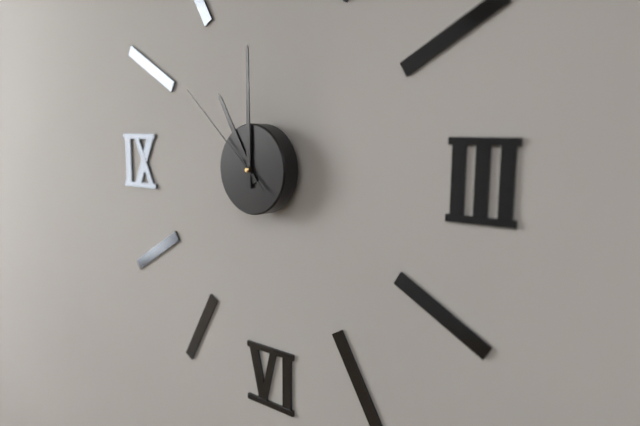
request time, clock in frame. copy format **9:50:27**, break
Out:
**11:00:52**
